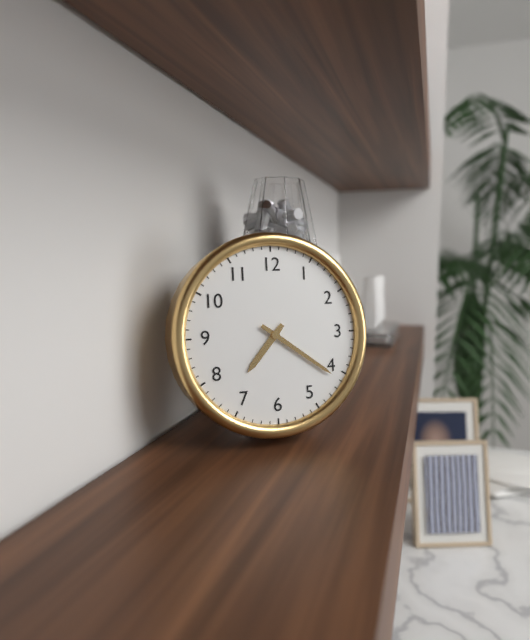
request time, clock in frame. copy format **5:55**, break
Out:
**7:21**
